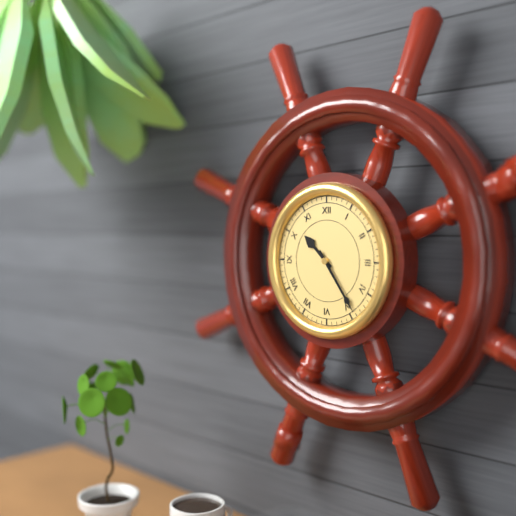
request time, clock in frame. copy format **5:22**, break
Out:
**10:24**
